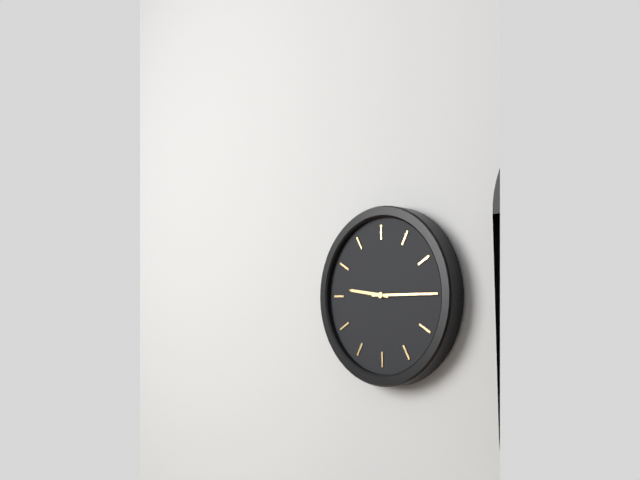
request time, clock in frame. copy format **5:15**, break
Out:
**9:15**
